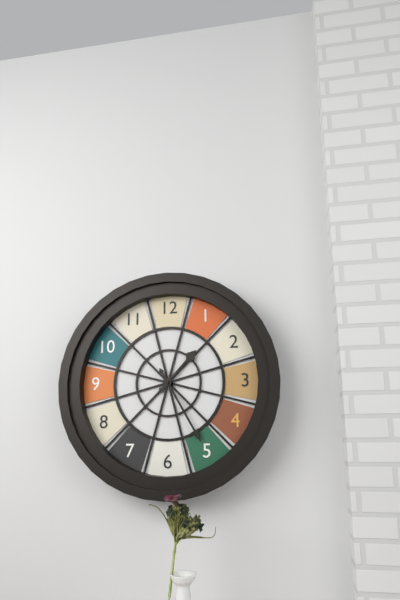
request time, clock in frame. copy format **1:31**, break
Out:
**1:25**
